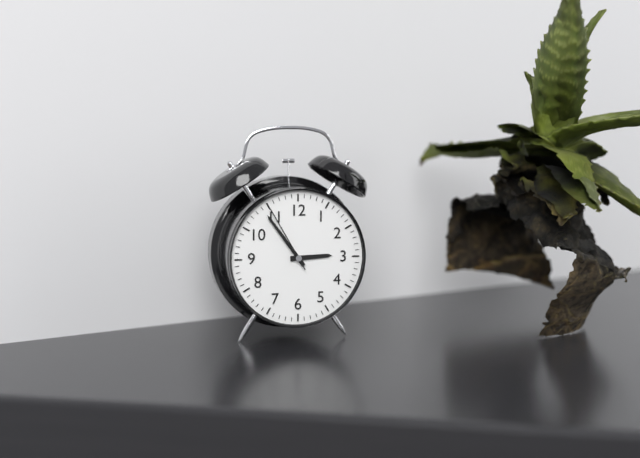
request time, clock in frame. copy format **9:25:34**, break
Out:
**2:54:55**
